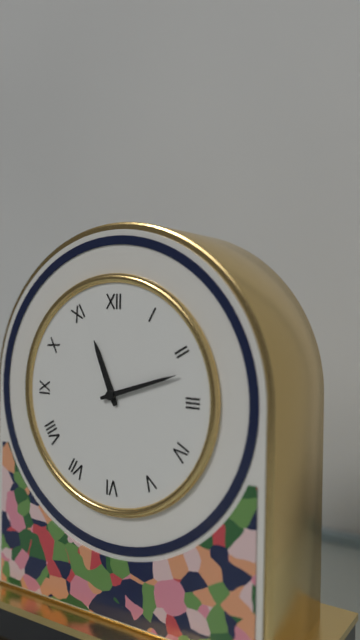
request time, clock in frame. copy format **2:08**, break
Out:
**11:12**
